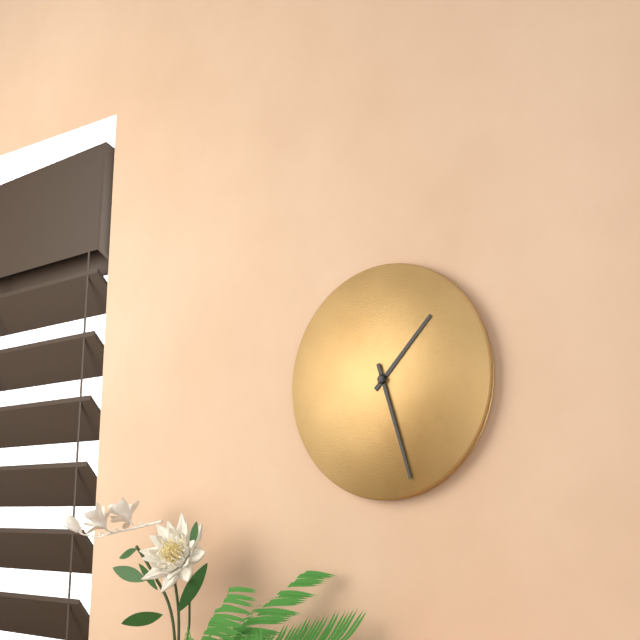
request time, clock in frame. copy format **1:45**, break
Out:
**1:27**
